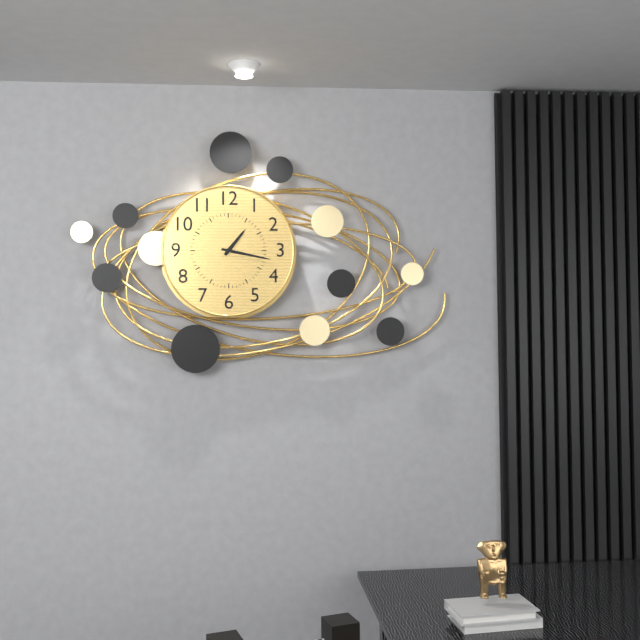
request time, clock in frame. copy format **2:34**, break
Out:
**1:17**
